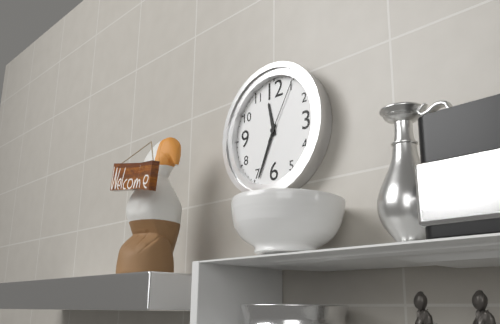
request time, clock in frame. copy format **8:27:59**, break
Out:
**11:34:05**
